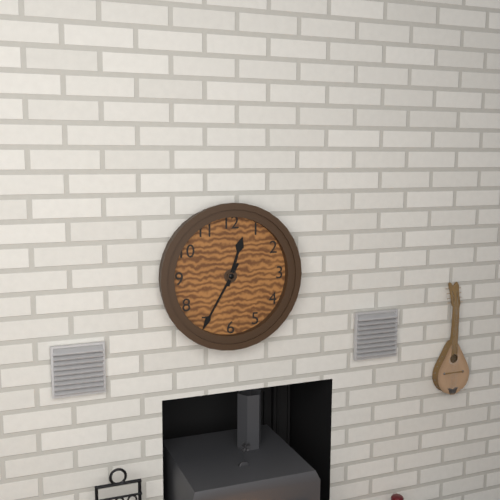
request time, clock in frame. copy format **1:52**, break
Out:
**12:35**
